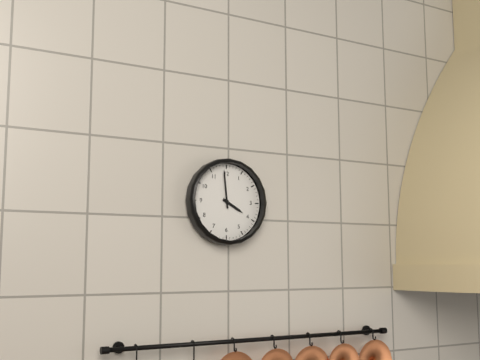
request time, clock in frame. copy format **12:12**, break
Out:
**3:59**
